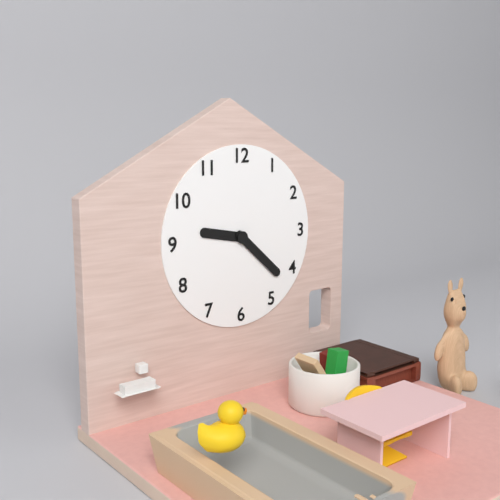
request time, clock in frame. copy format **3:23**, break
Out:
**9:22**
